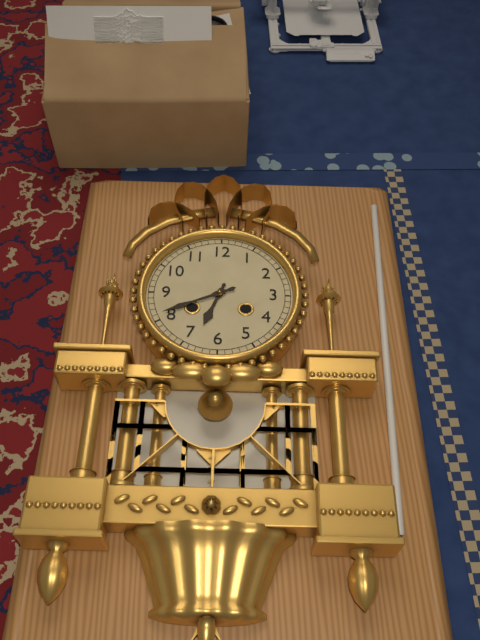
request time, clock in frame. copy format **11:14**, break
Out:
**6:41**
